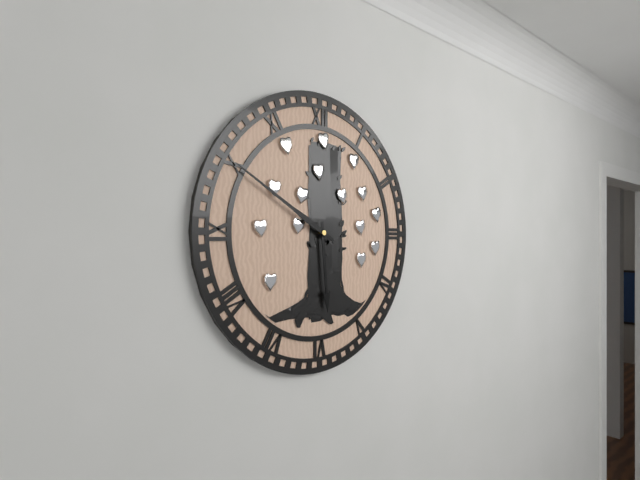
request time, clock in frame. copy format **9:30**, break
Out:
**5:50**
